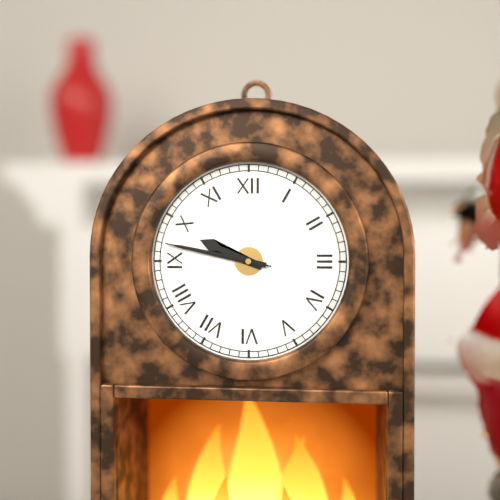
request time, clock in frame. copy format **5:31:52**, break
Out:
**9:47:47**
